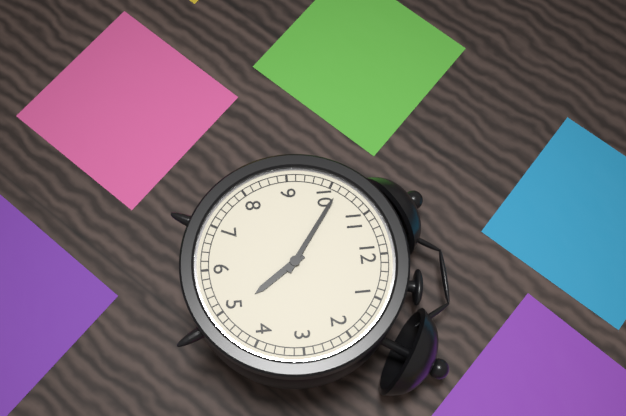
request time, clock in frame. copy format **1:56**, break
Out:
**4:51**
